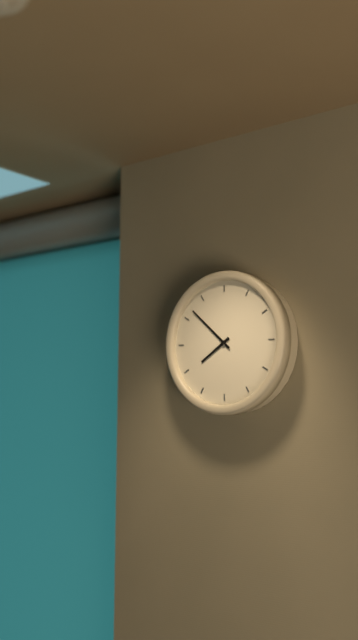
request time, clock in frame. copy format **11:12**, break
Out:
**7:52**
